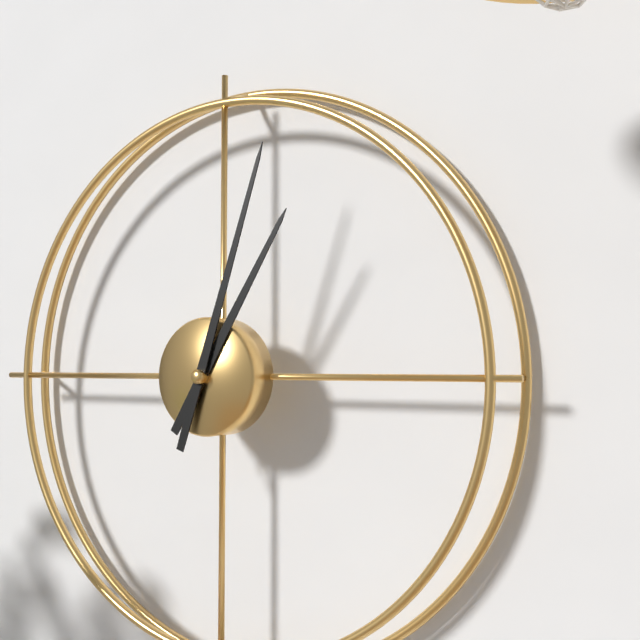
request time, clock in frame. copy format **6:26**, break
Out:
**1:03**
